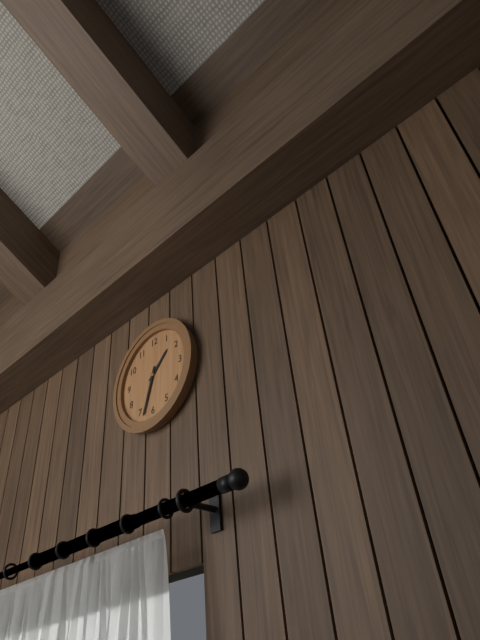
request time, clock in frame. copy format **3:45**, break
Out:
**1:33**
